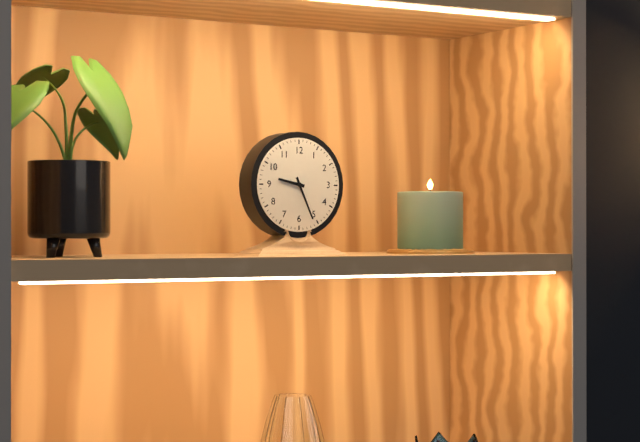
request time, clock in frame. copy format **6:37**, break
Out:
**9:26**
